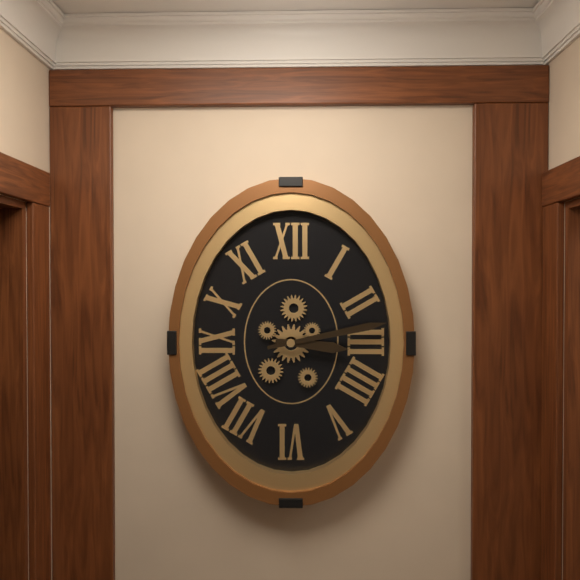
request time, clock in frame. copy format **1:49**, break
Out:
**3:13**
